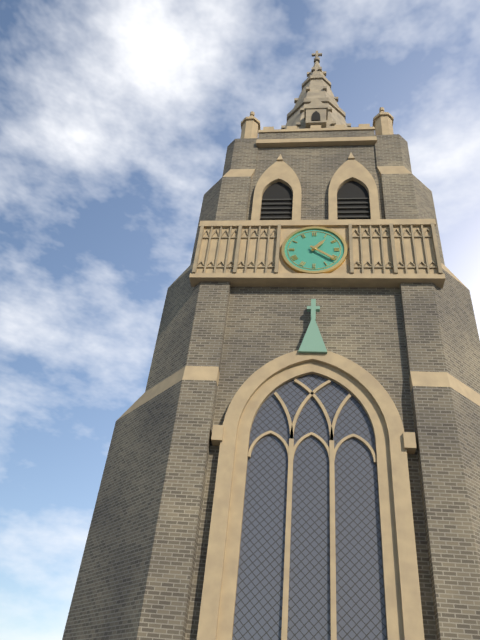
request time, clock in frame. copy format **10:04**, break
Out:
**1:21**
